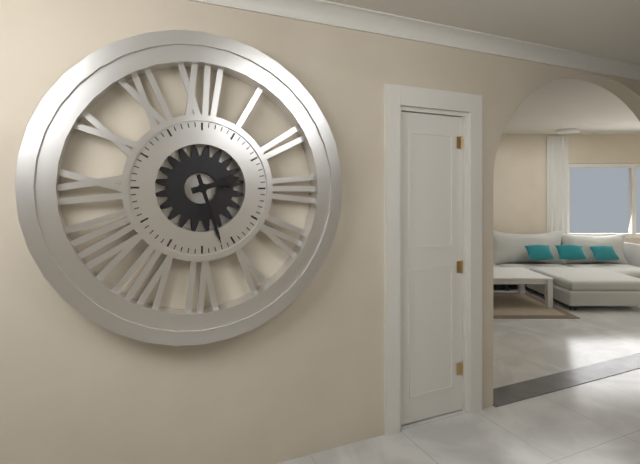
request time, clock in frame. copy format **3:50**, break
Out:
**2:27**
